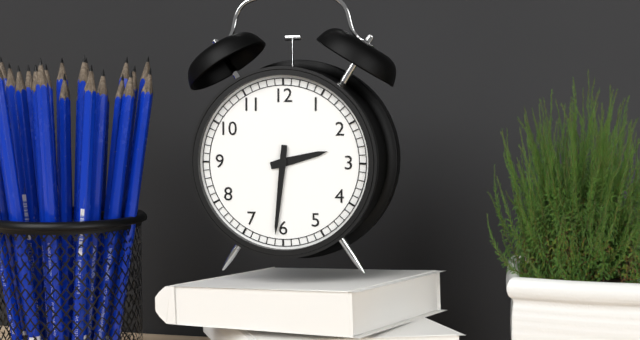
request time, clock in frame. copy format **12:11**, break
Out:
**2:31**
